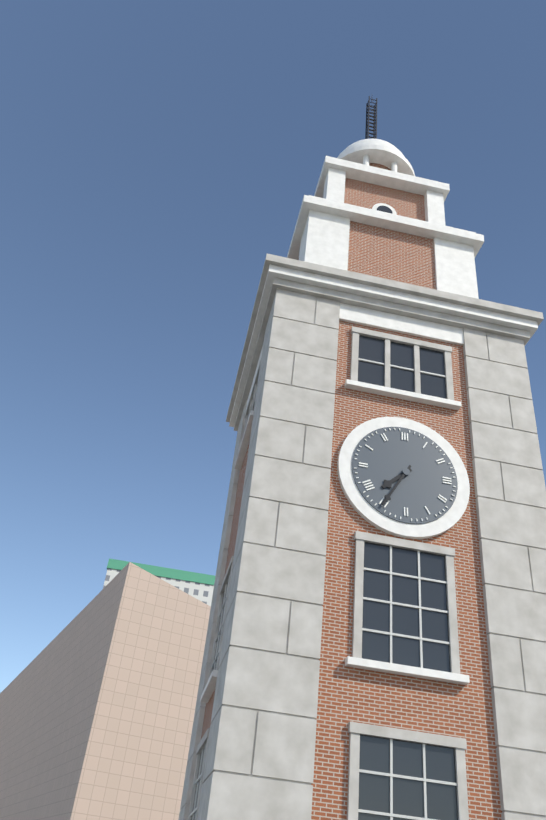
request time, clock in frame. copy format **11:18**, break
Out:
**7:35**
